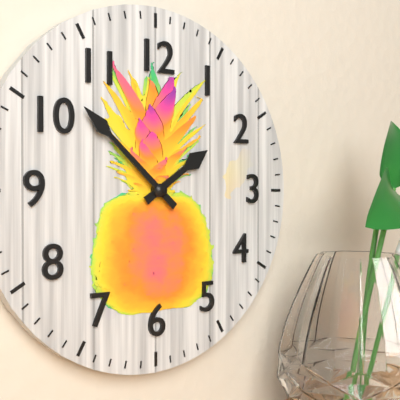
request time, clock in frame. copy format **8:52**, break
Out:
**1:52**
